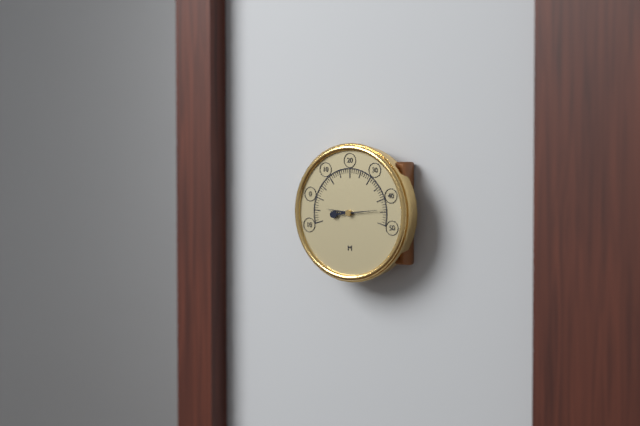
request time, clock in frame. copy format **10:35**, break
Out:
**9:14**
